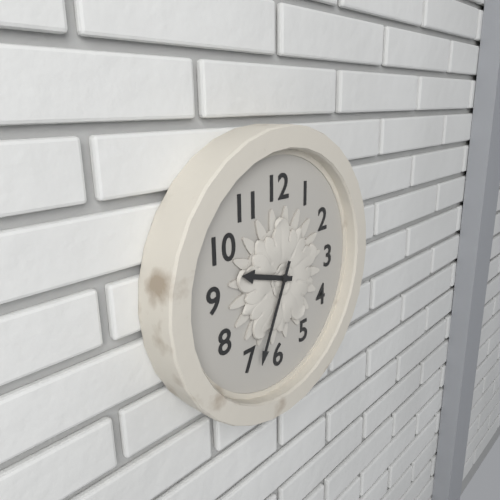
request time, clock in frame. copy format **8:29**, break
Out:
**9:34**
